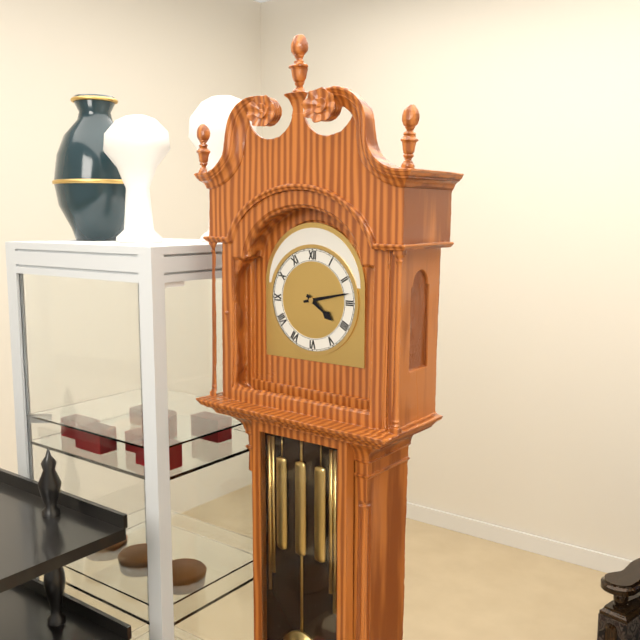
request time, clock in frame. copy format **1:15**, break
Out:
**4:13**
